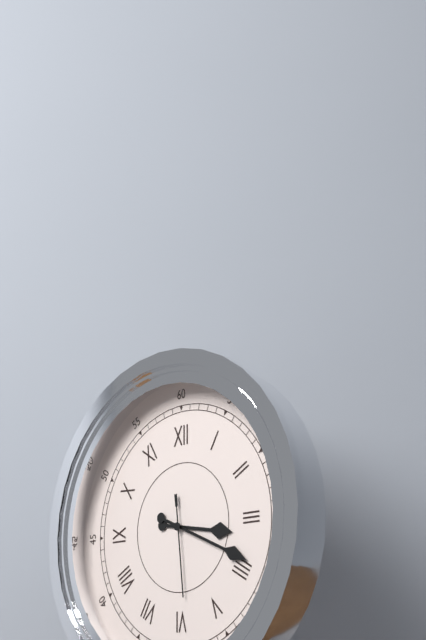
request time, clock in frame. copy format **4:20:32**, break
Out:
**3:19:29**
